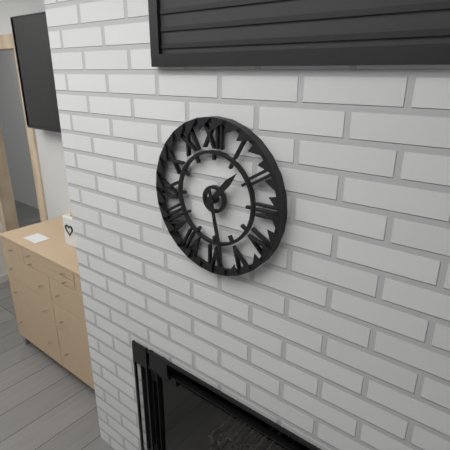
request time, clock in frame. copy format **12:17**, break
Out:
**1:28**
